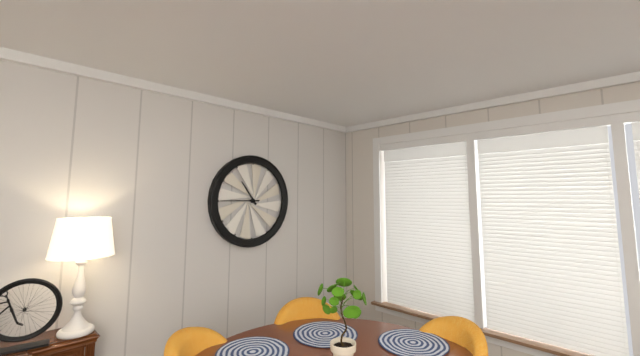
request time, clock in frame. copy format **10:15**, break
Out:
**10:45**
